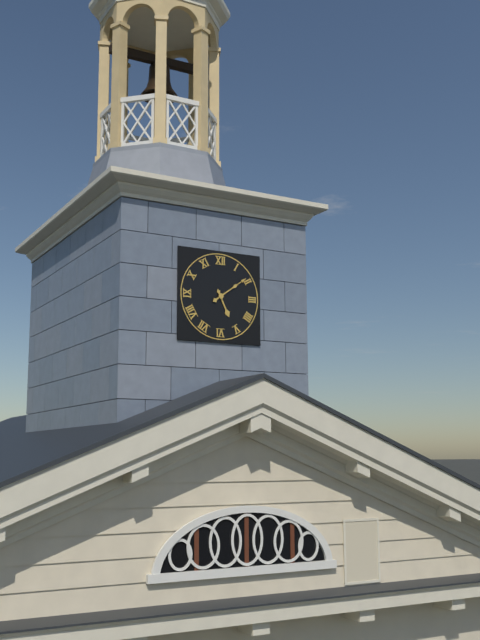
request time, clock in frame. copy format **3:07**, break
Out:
**5:09**
